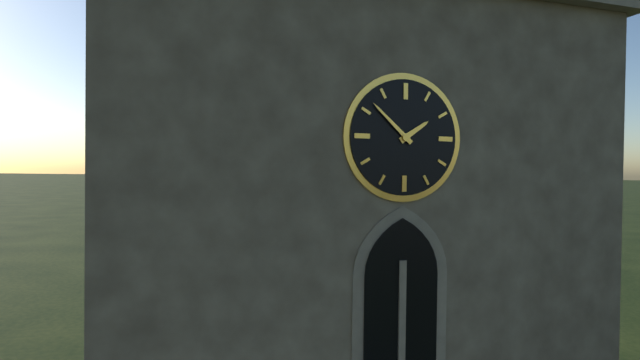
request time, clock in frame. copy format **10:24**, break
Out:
**1:52**
